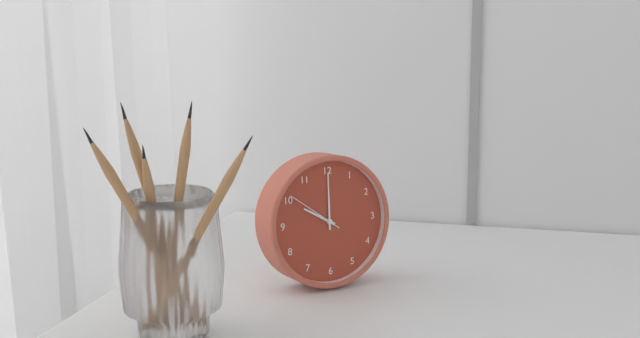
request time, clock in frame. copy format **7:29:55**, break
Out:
**10:00:51**
